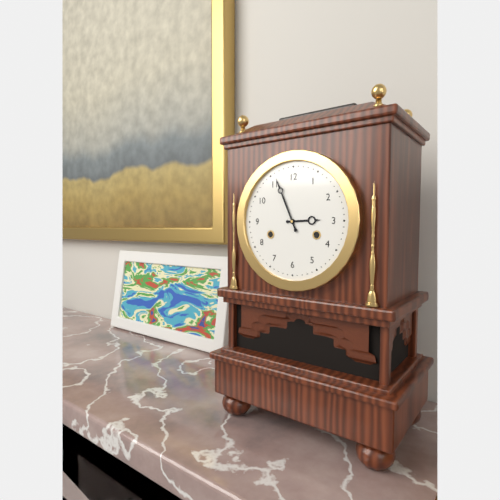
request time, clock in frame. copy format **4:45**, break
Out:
**2:56**
